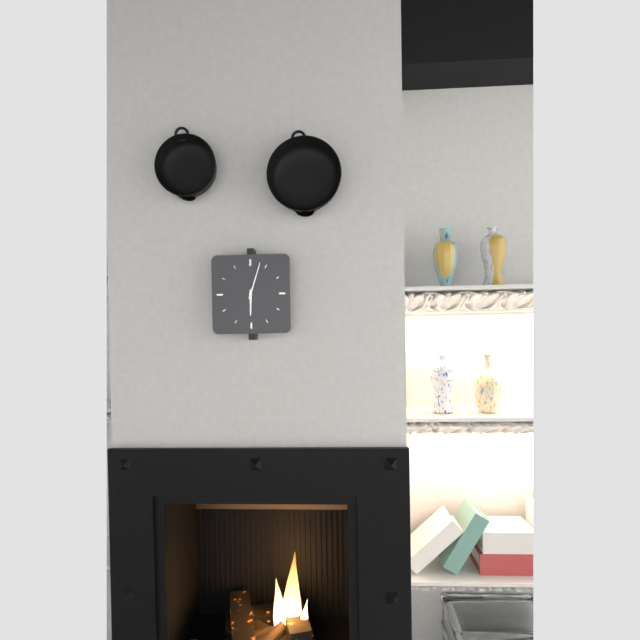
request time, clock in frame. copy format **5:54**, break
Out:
**6:03**
